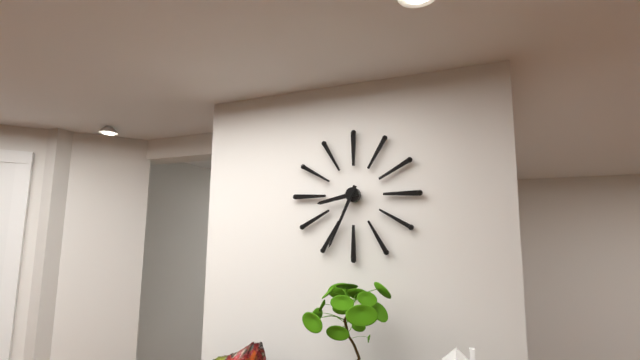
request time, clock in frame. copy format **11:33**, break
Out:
**8:34**
